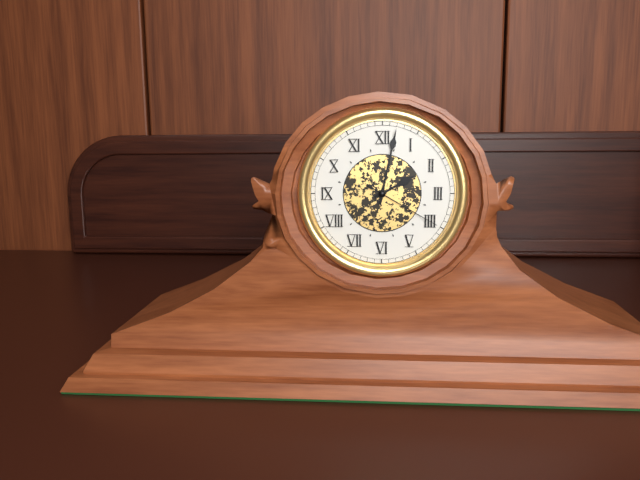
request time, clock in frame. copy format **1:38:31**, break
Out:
**2:02:20**
